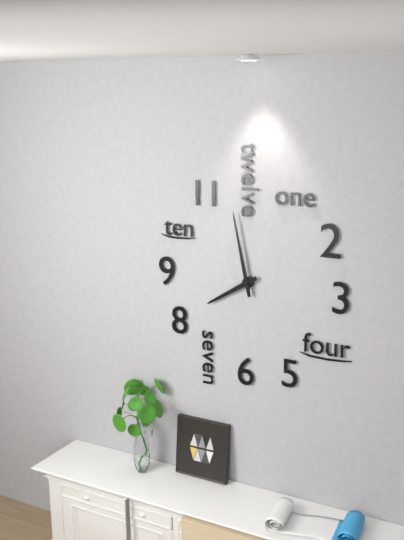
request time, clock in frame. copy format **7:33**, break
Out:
**7:58**
